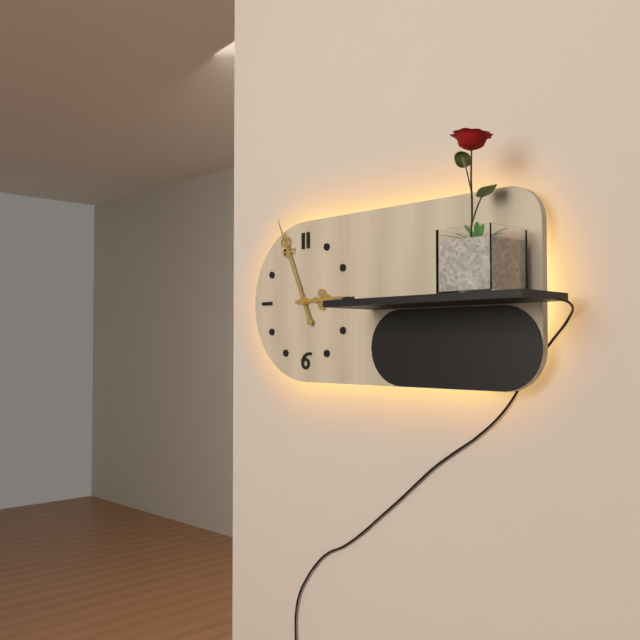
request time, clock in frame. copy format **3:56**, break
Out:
**2:56**
